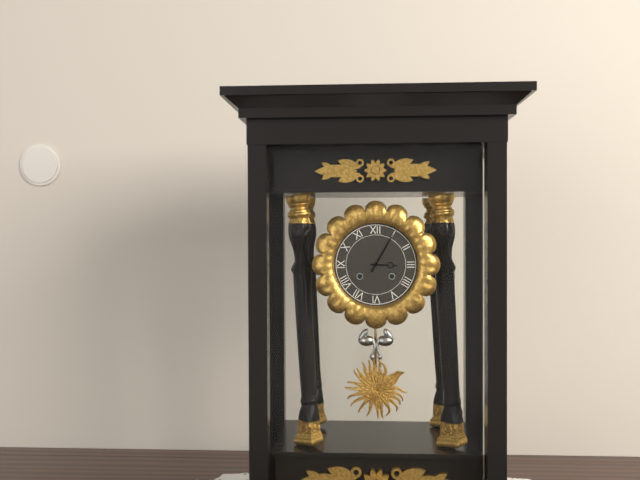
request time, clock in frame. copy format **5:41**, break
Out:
**3:05**
